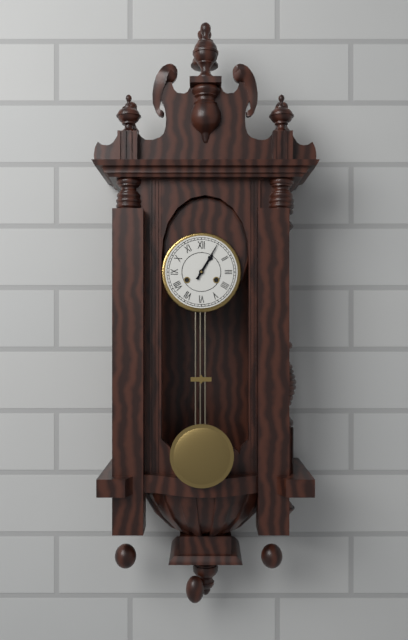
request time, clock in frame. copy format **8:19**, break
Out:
**1:05**
